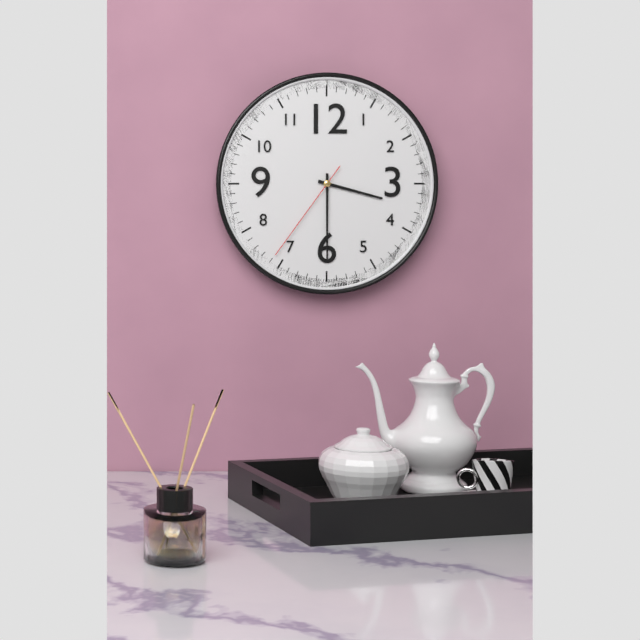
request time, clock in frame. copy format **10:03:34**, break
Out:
**3:30:36**
